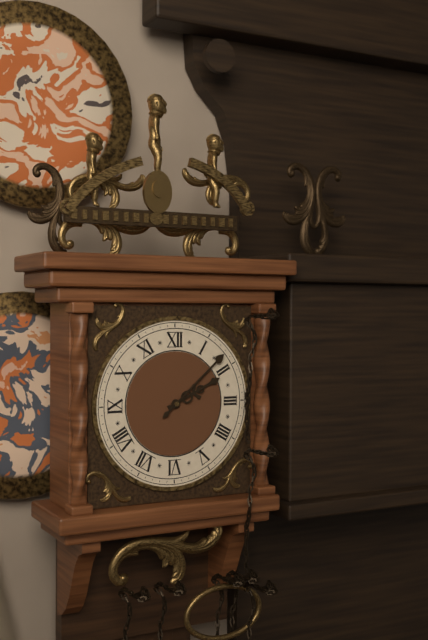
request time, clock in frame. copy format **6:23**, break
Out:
**2:08**
